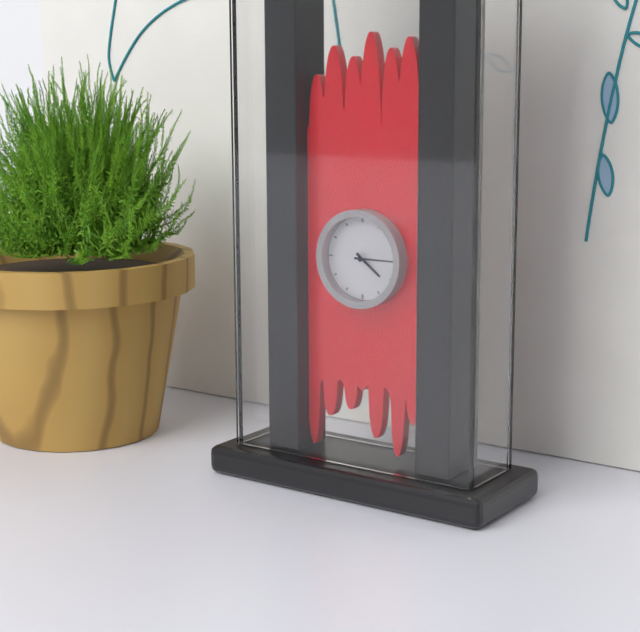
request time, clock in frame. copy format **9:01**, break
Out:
**4:15**
